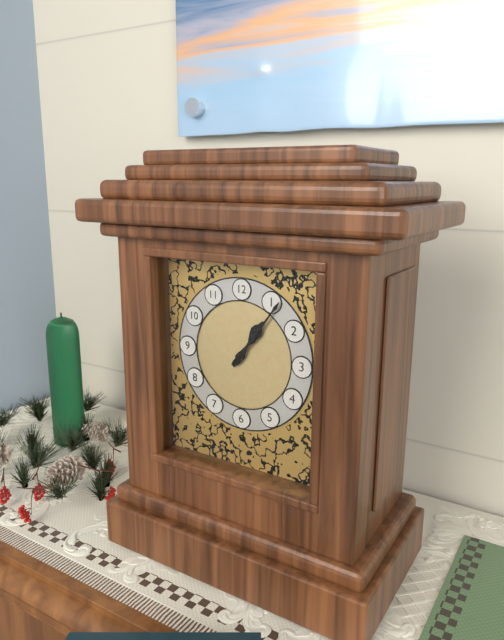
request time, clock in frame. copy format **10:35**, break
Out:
**1:06**
